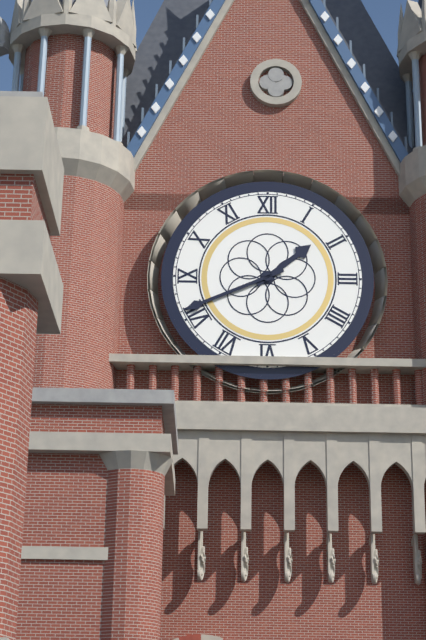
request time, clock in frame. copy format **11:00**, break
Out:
**1:41**
